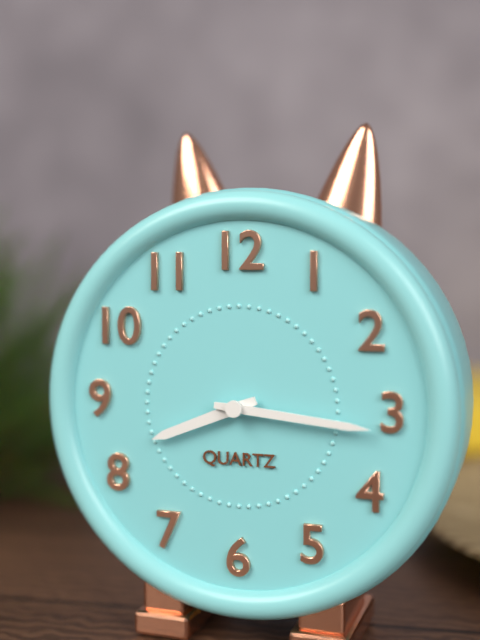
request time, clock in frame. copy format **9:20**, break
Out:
**8:16**
